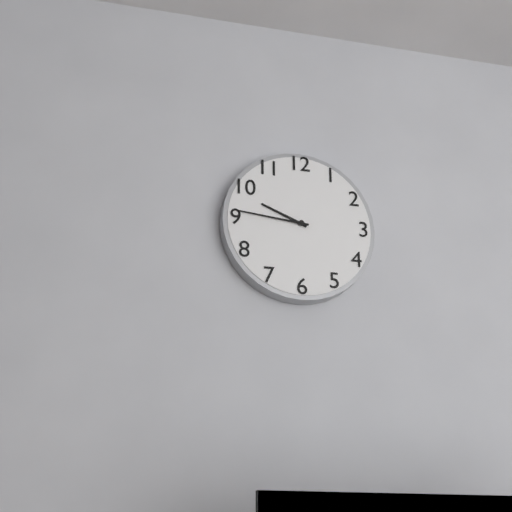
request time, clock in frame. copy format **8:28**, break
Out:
**9:46**
